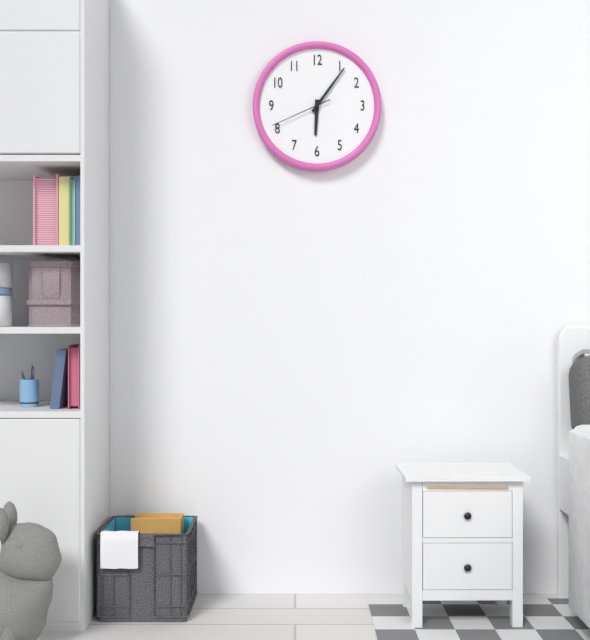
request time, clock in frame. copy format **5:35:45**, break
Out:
**6:06:41**
